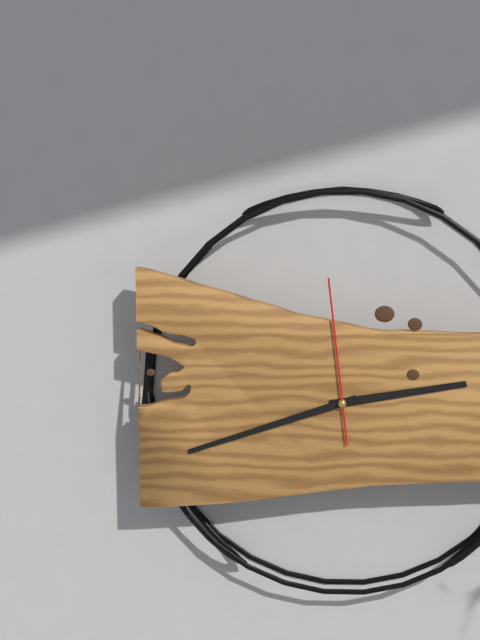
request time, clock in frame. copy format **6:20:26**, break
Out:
**2:42:59**
